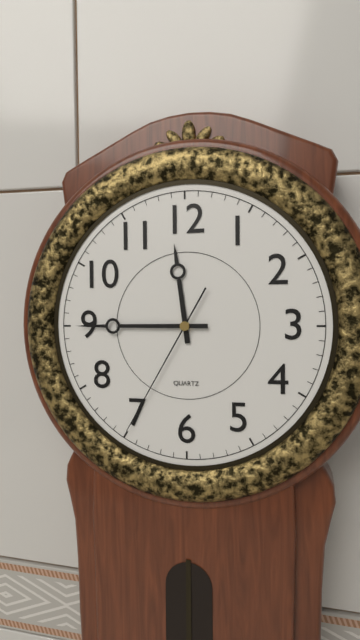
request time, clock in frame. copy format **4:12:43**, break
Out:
**11:45:35**
